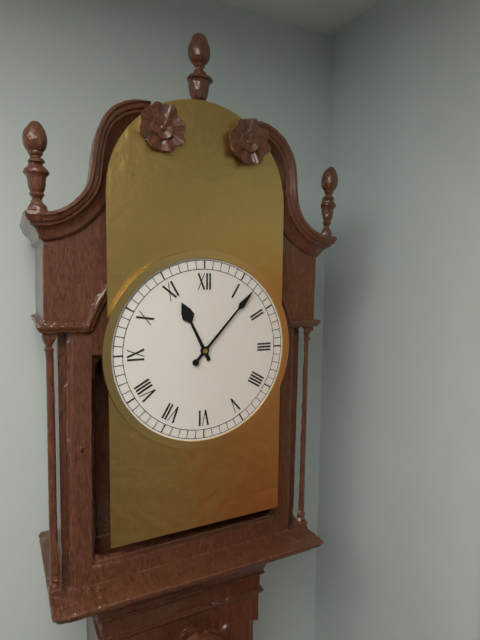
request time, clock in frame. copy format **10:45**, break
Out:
**11:07**
